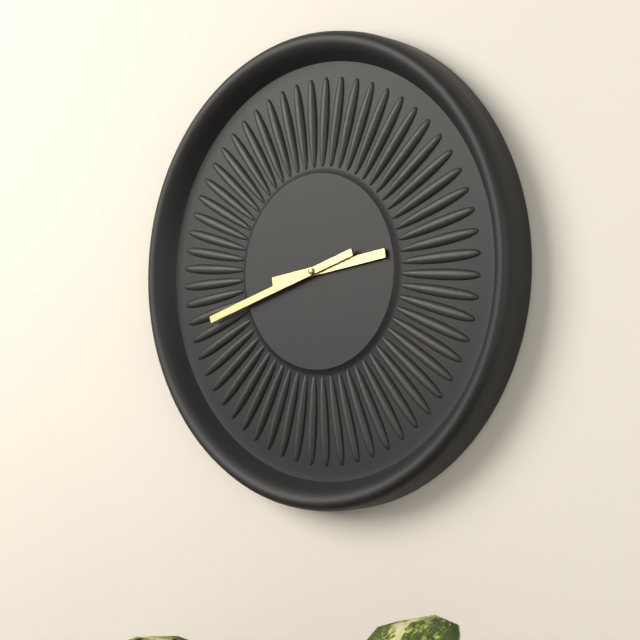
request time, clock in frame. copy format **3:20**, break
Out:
**2:42**
